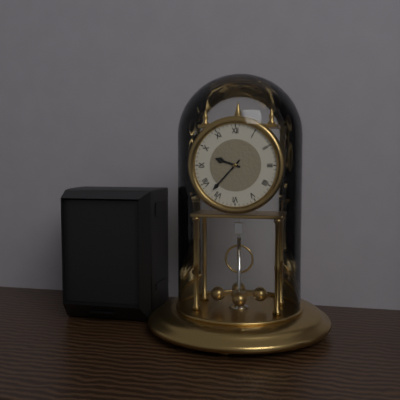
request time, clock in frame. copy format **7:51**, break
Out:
**9:37**
